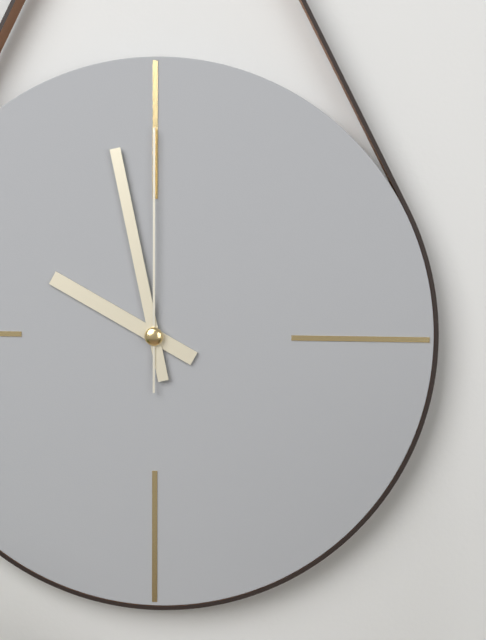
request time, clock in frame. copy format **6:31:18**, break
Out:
**9:58:00**
